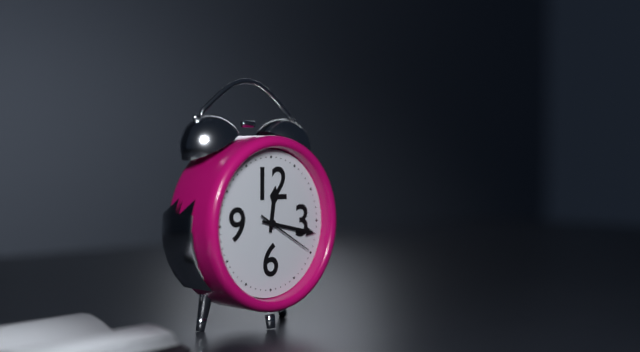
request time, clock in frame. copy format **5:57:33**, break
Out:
**12:17:20**
